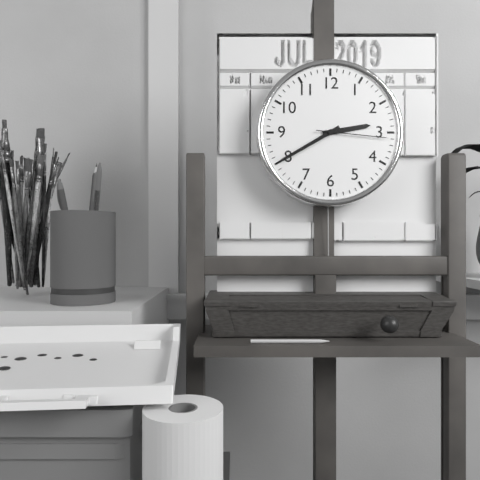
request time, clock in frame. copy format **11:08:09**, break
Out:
**2:40:16**
